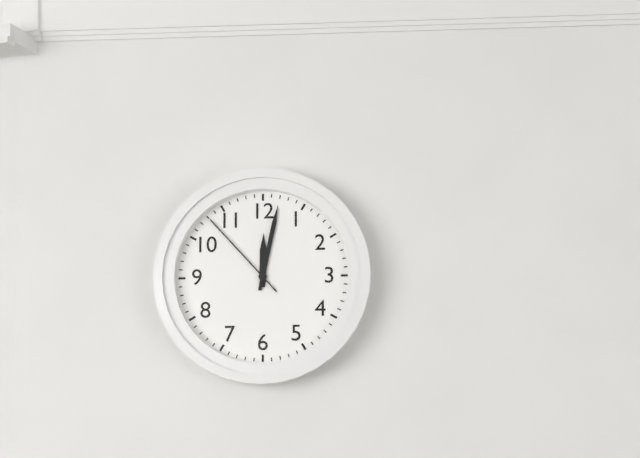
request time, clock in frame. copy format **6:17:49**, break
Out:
**12:02:53**
